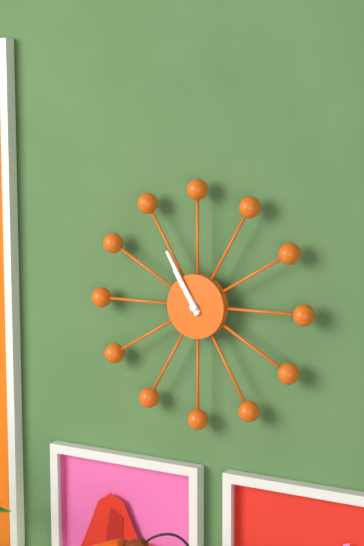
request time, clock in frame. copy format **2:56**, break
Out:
**10:55**
